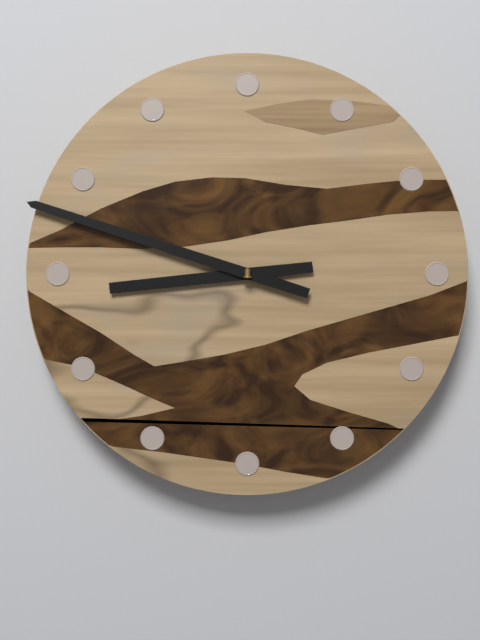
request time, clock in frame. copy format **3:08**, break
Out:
**8:48**
